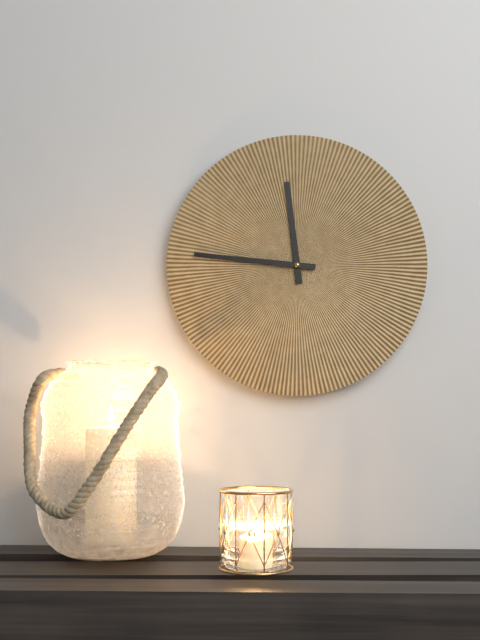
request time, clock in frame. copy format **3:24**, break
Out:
**11:46**
